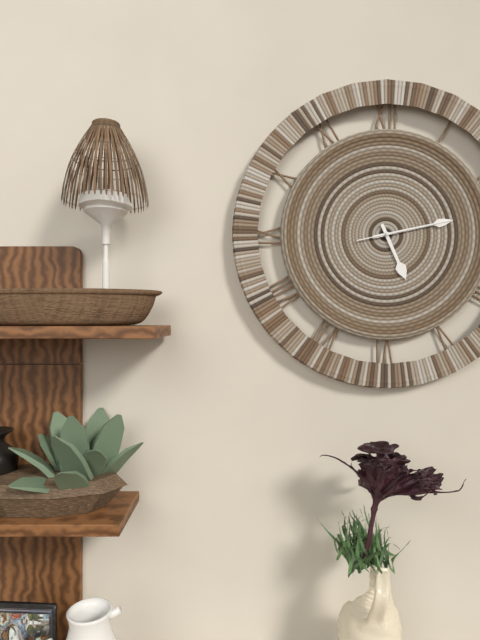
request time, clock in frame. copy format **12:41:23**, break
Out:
**5:13:13**
